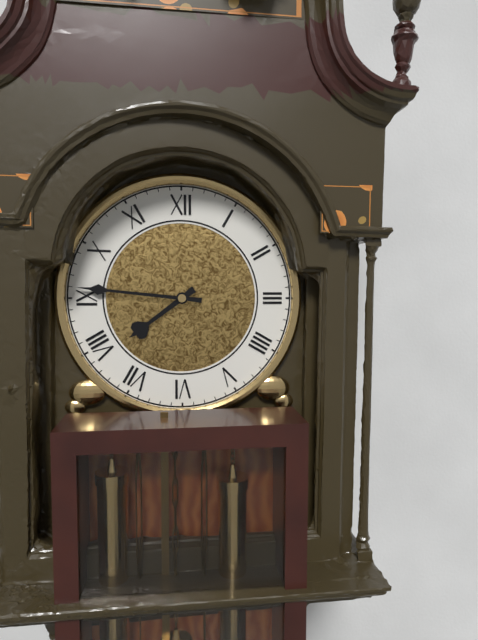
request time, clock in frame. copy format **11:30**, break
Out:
**7:46**
